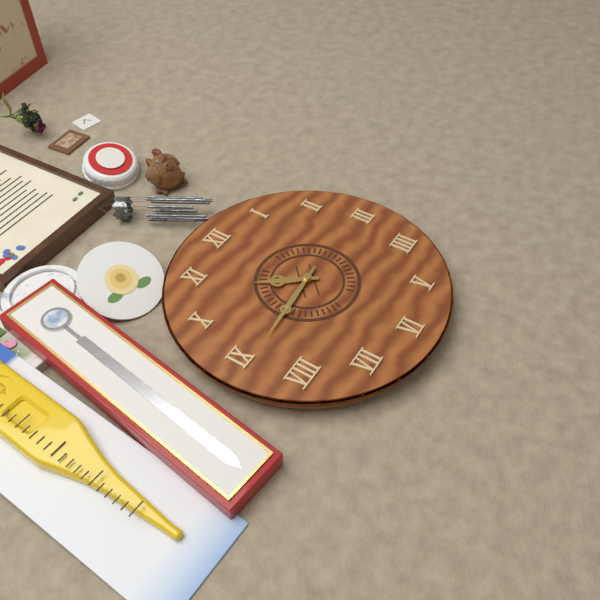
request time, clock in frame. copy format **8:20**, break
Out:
**10:44**
